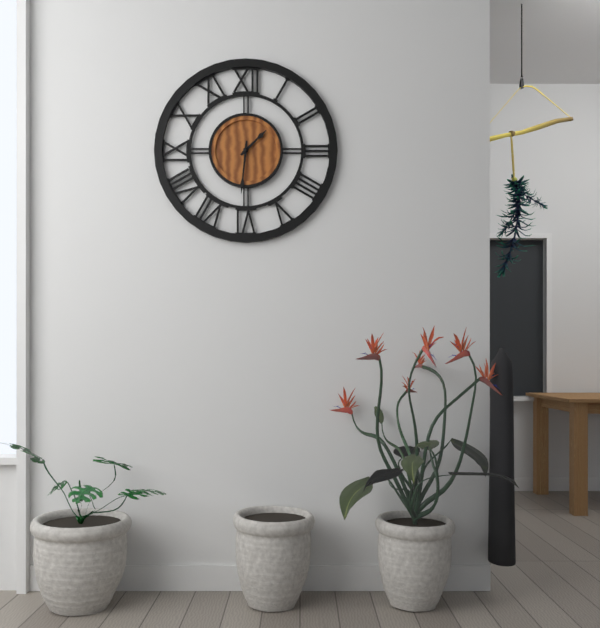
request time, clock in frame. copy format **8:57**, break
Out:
**1:31**
